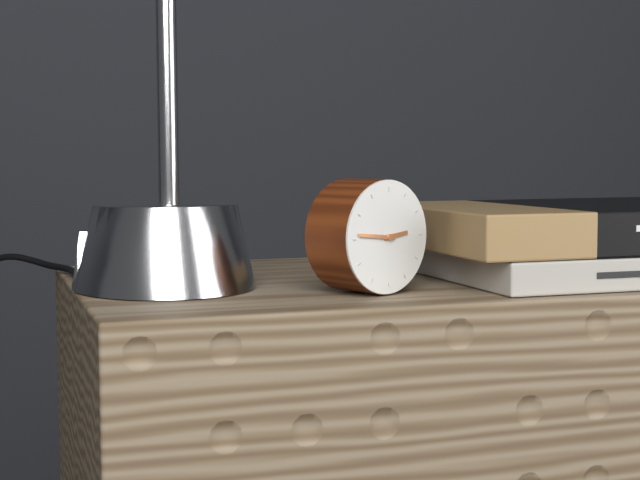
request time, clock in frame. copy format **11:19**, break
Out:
**2:46**
